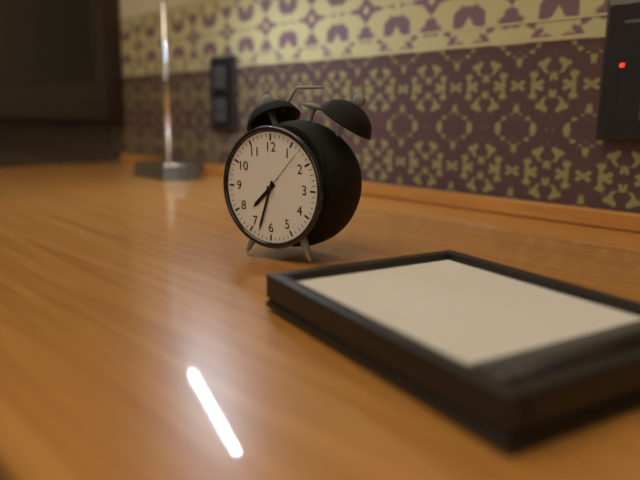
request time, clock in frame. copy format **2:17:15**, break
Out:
**7:33:07**
